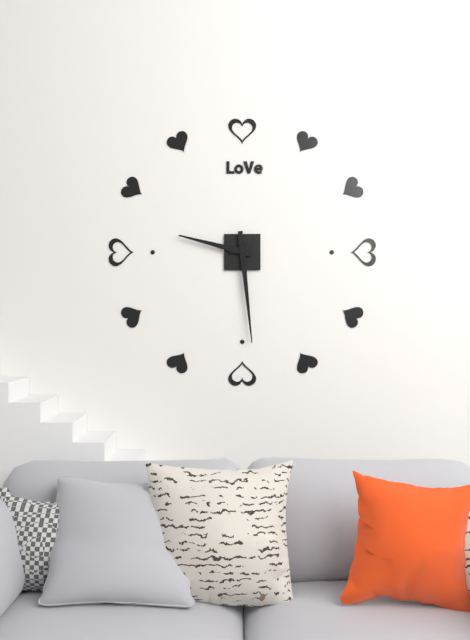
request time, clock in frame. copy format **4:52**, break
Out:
**9:29**
